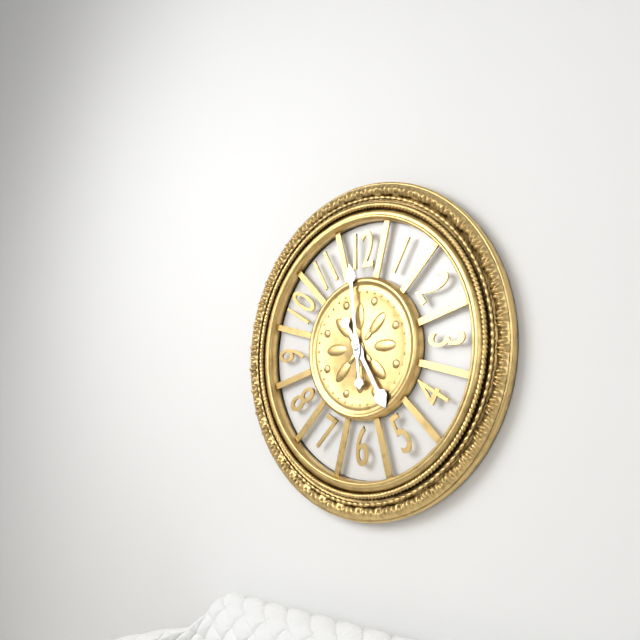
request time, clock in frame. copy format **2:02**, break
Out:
**4:59**
